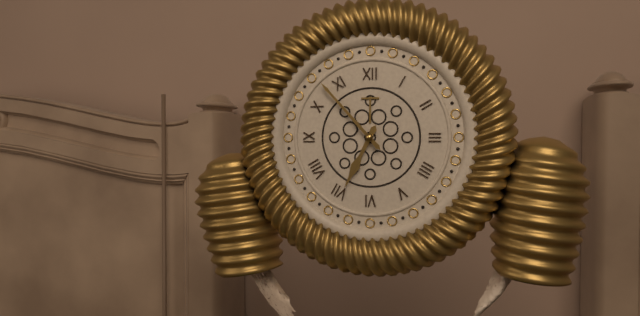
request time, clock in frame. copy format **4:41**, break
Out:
**6:53**
